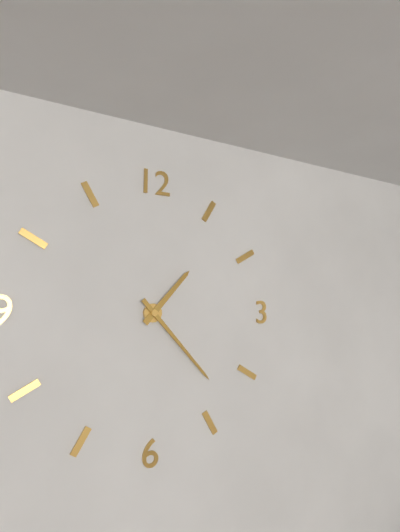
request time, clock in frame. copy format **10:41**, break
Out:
**1:23**
